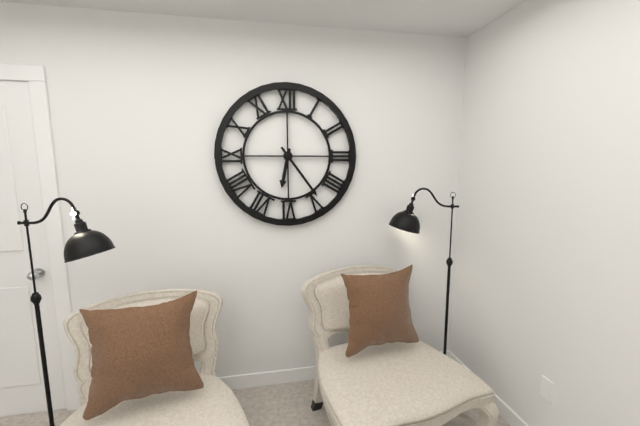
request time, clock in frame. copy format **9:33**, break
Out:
**6:24**
